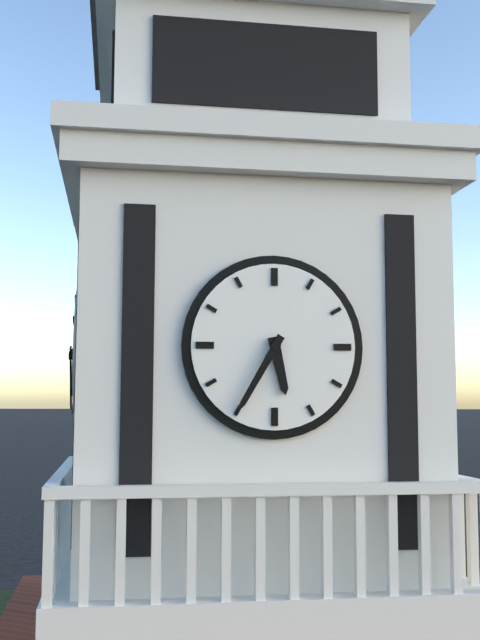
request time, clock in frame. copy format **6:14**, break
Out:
**5:35**
